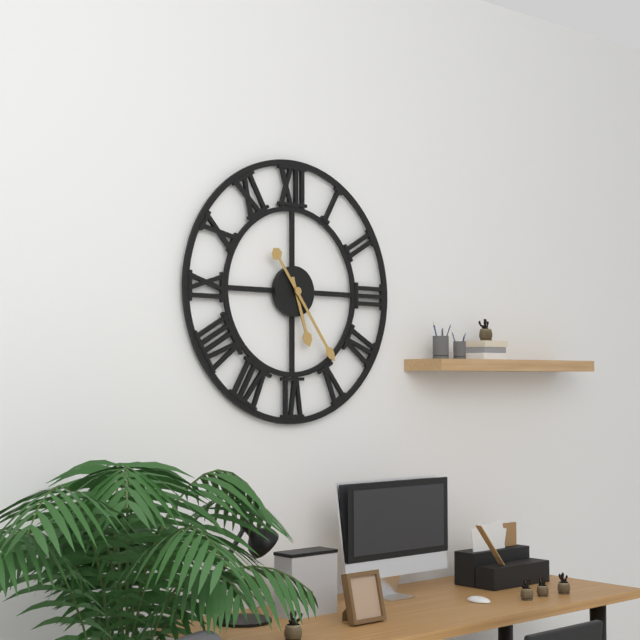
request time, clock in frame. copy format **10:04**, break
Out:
**5:24**
